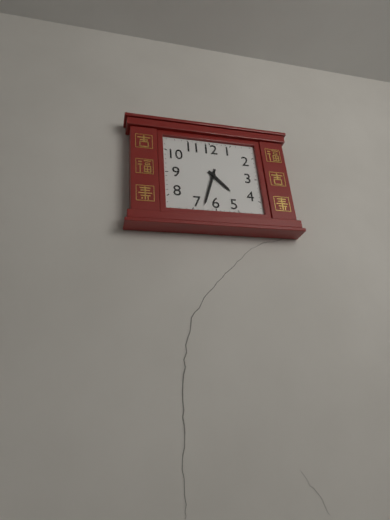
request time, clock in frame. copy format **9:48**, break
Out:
**4:33**
